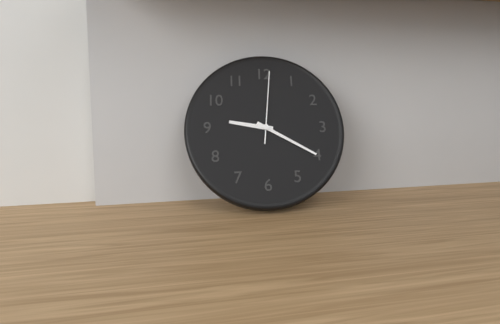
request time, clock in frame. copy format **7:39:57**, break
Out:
**9:20:01**
